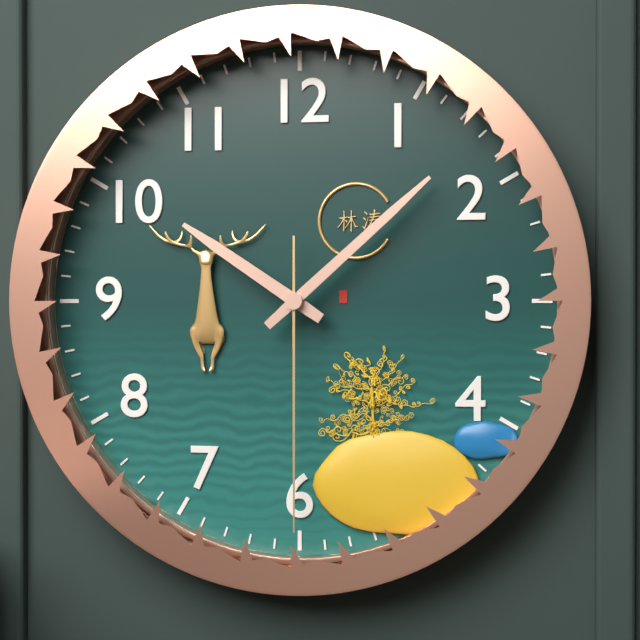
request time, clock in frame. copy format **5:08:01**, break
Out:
**10:08:30**
